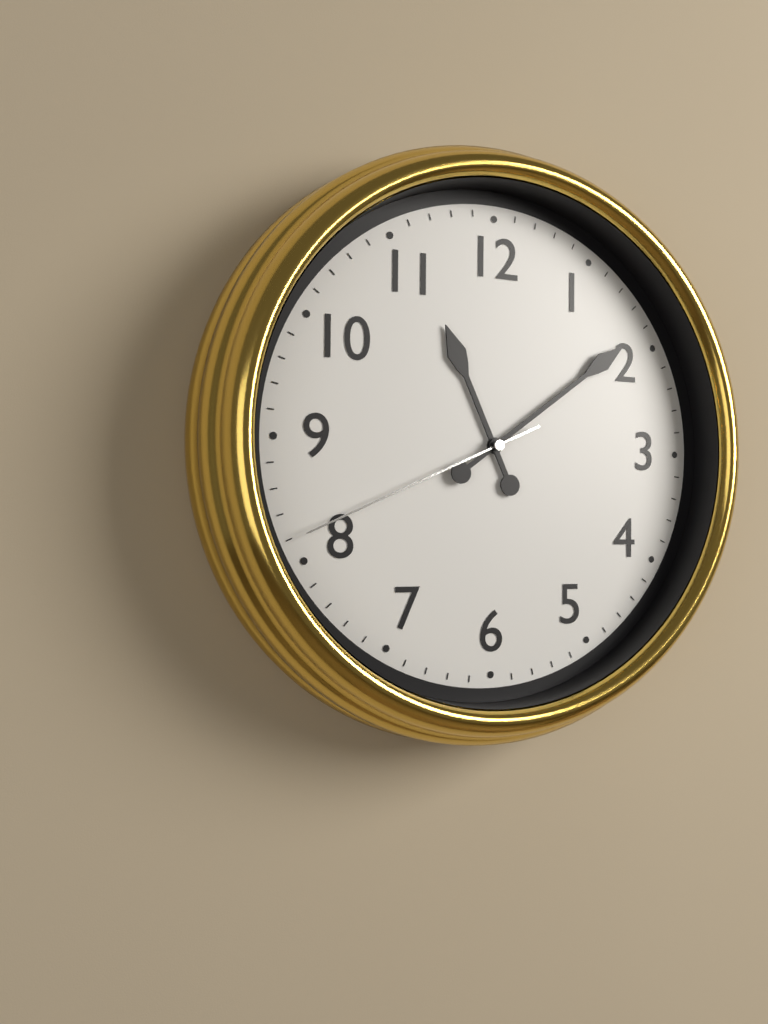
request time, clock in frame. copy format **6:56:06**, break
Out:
**11:09:41**
